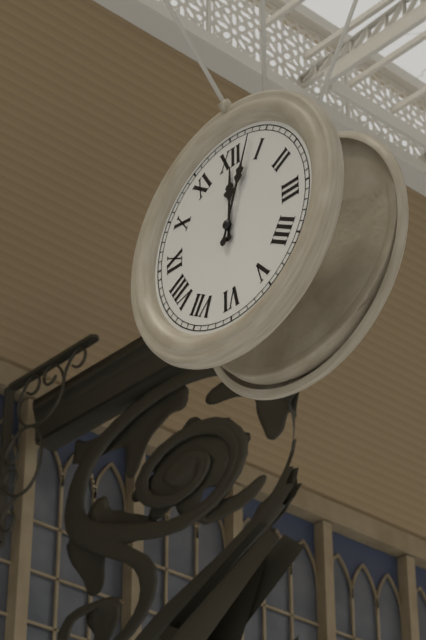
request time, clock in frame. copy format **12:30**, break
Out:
**12:03**
